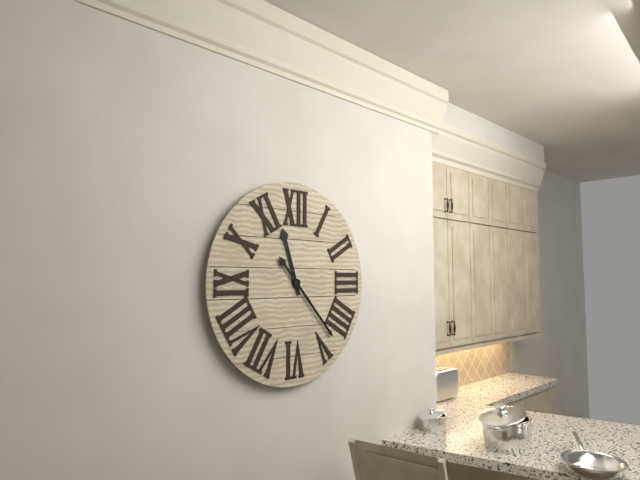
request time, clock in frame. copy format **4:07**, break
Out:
**11:23**
